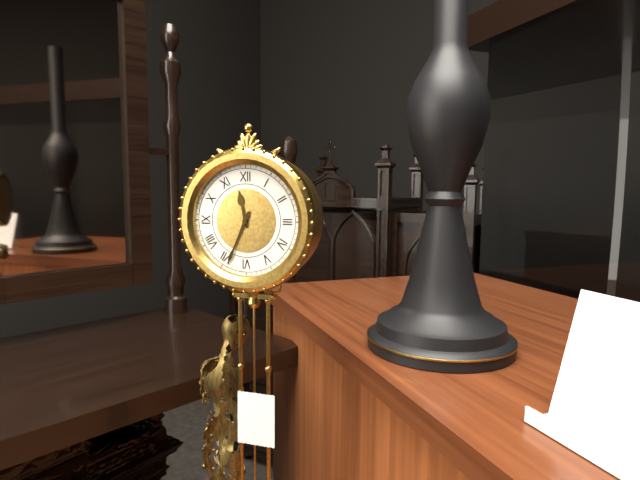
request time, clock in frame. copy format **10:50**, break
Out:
**11:34**
